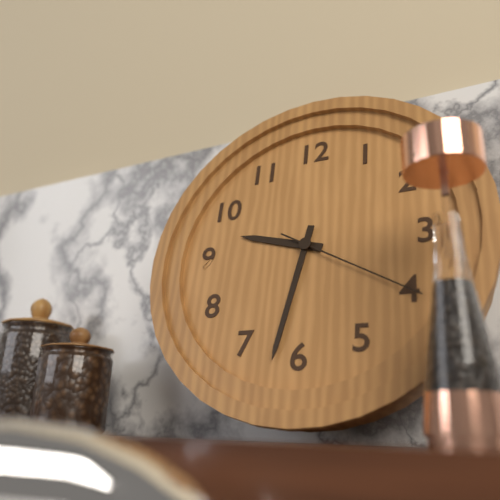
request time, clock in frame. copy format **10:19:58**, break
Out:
**9:32:20**
